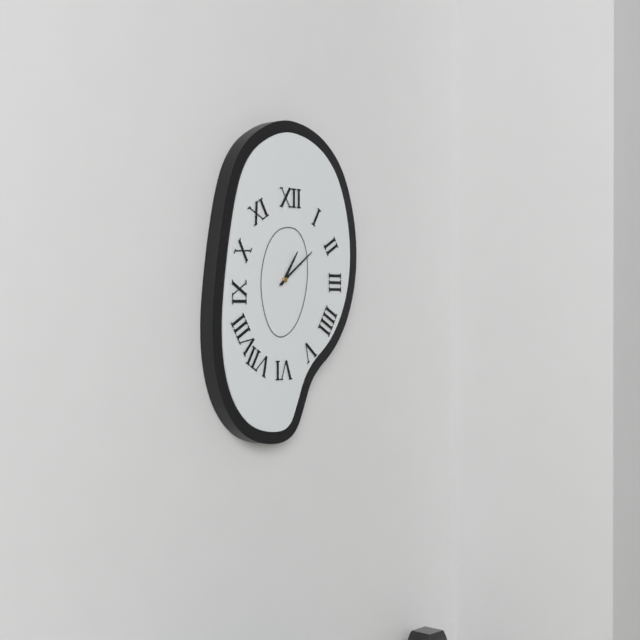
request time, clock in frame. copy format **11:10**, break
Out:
**1:09**
